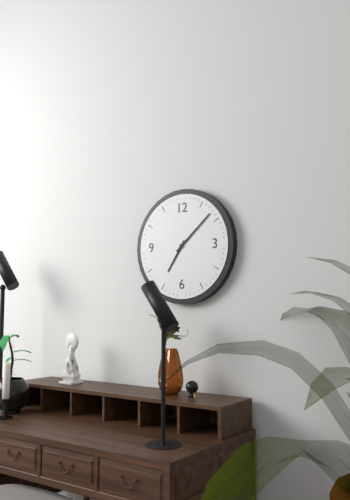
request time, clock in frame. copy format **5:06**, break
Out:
**7:08**
